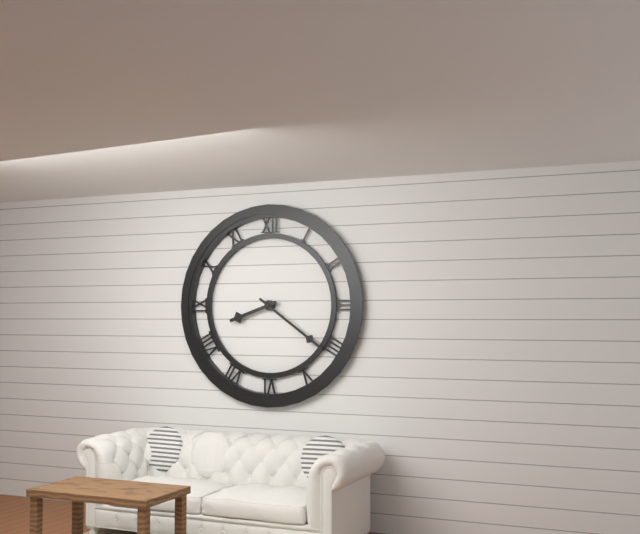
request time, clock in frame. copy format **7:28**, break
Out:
**8:21**
